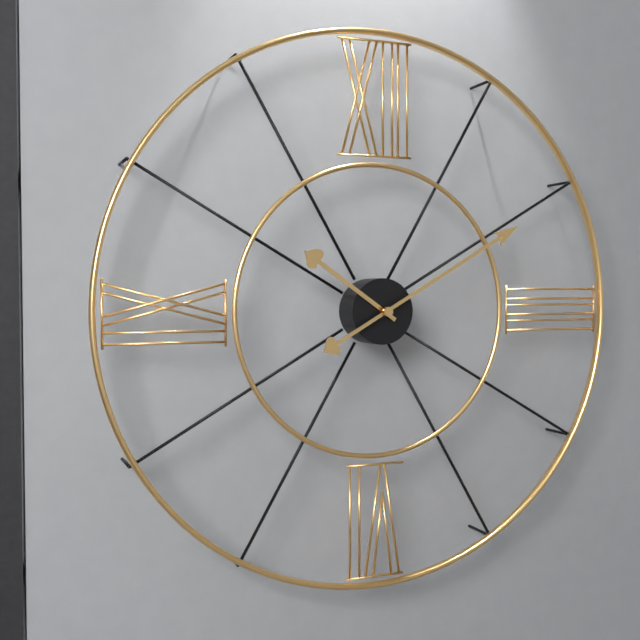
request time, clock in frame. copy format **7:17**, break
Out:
**10:10**
